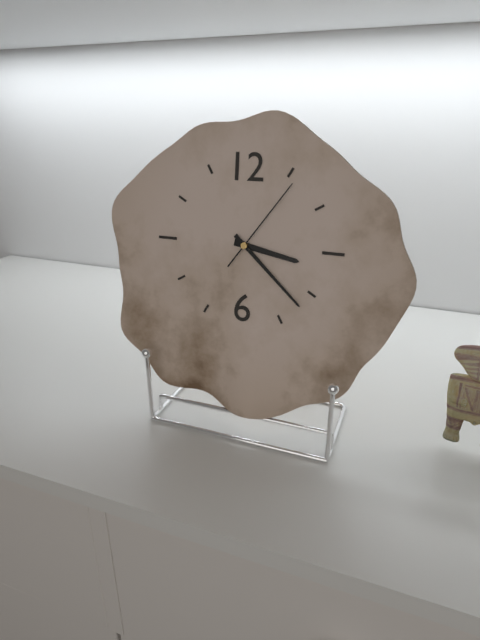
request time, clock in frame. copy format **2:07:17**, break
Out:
**3:22:06**
